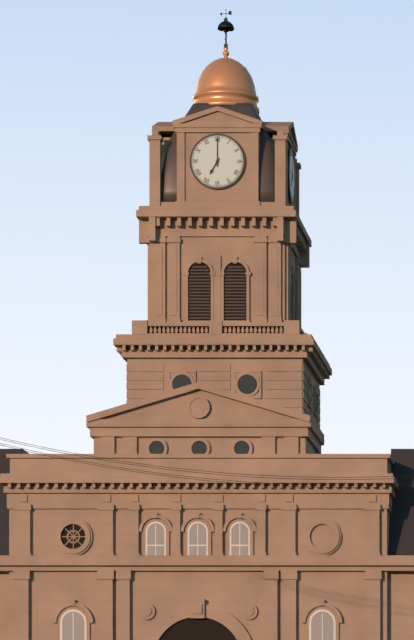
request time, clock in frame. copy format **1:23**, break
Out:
**7:00**
